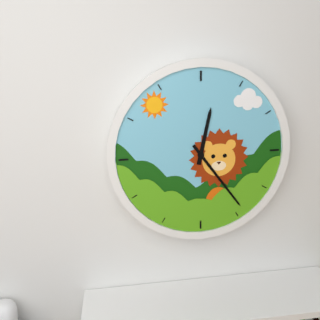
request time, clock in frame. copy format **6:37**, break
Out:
**12:24**
